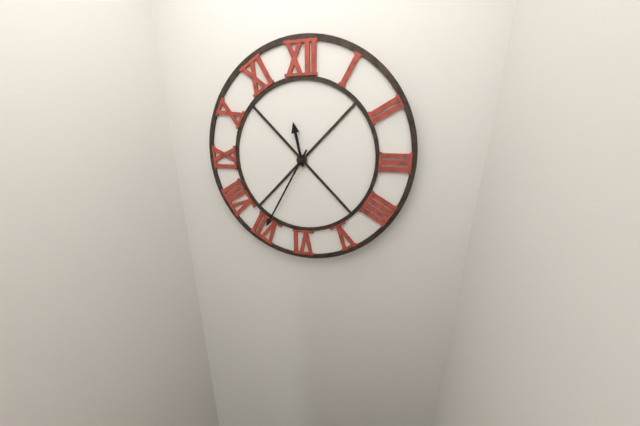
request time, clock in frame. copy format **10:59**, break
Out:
**11:35**
